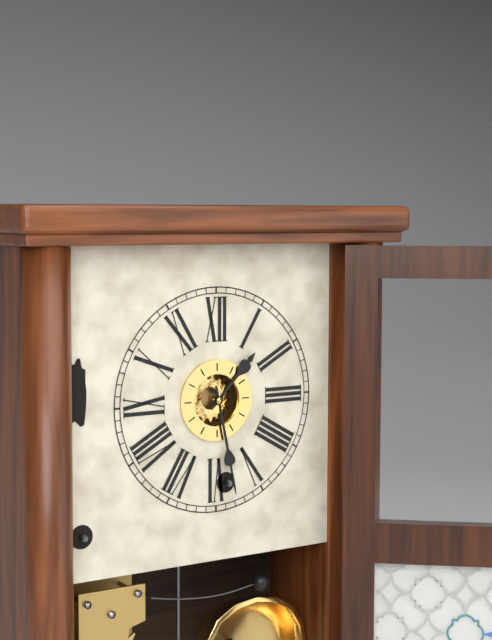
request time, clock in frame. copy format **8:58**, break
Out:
**1:28**
